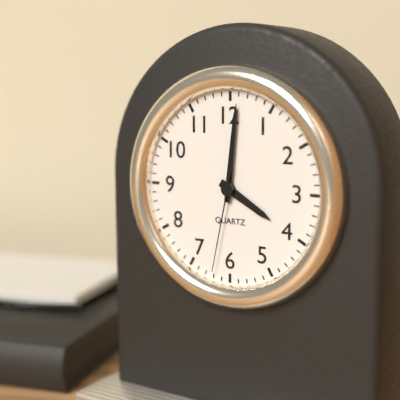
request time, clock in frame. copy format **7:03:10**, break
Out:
**4:01:32**
